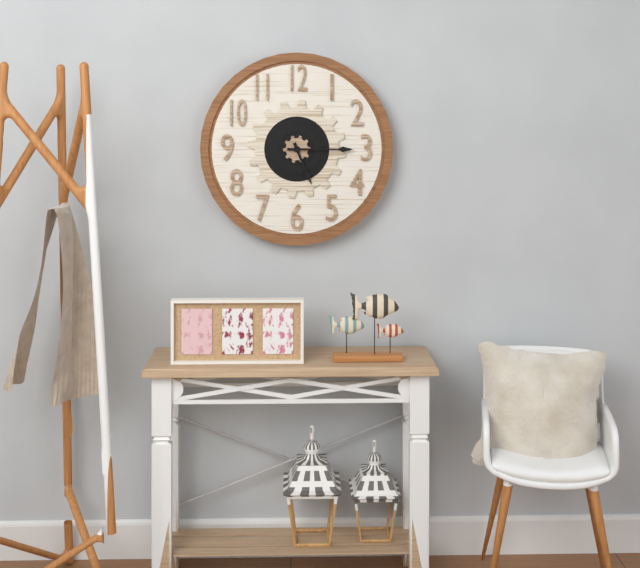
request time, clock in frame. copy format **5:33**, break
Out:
**5:15**
